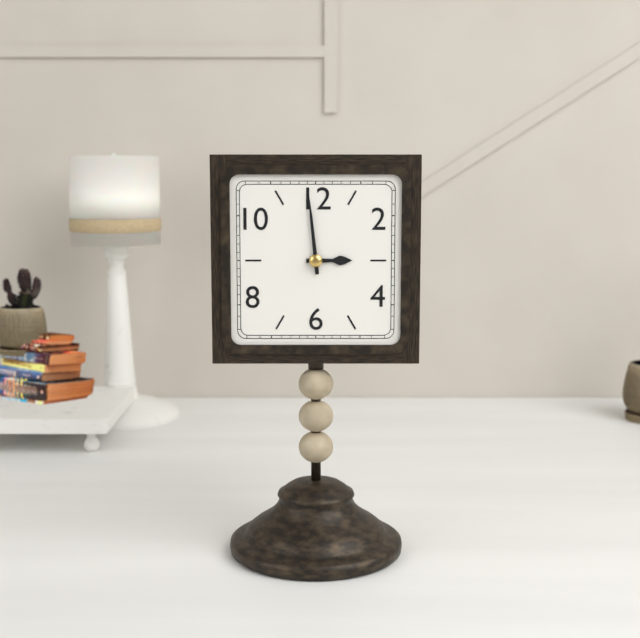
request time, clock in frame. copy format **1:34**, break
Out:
**2:59**
